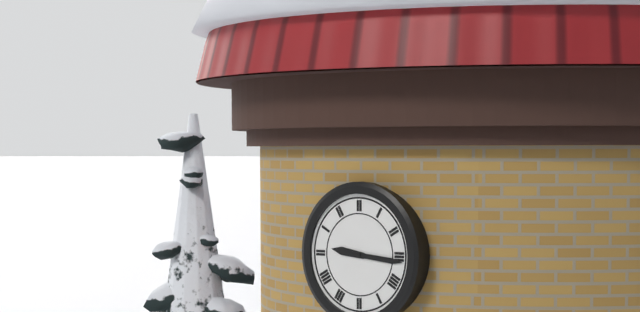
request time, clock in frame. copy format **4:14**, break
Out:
**9:16**
